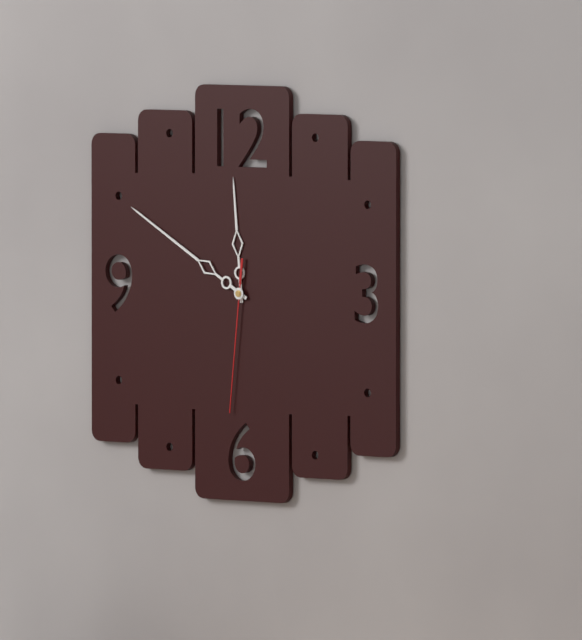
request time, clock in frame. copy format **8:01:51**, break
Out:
**11:50:31**
